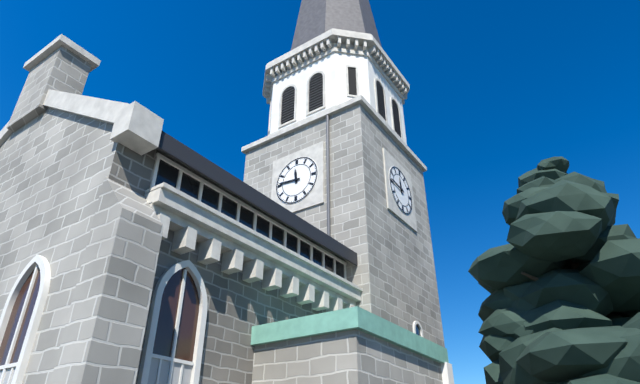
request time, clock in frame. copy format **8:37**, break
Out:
**11:46**
